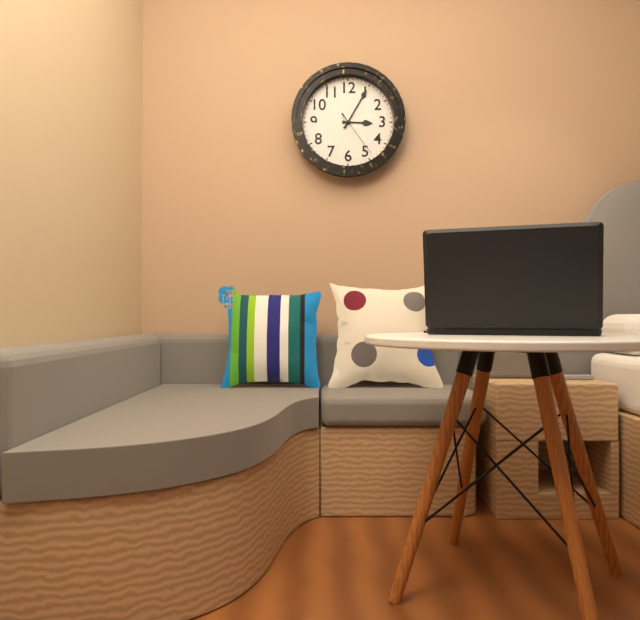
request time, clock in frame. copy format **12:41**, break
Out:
**3:05**
